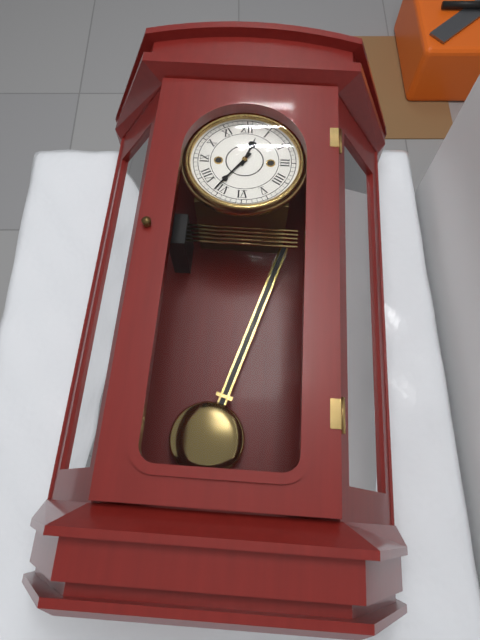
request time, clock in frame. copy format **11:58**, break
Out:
**12:36**
